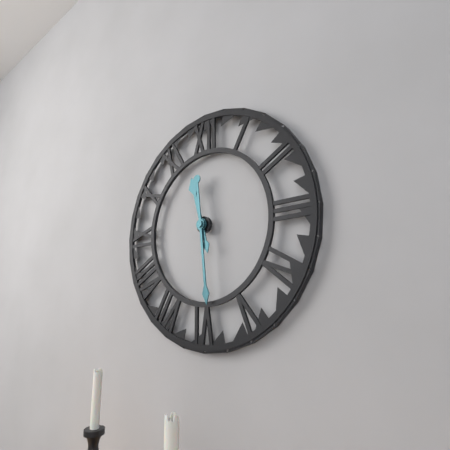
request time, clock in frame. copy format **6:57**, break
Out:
**11:29**
